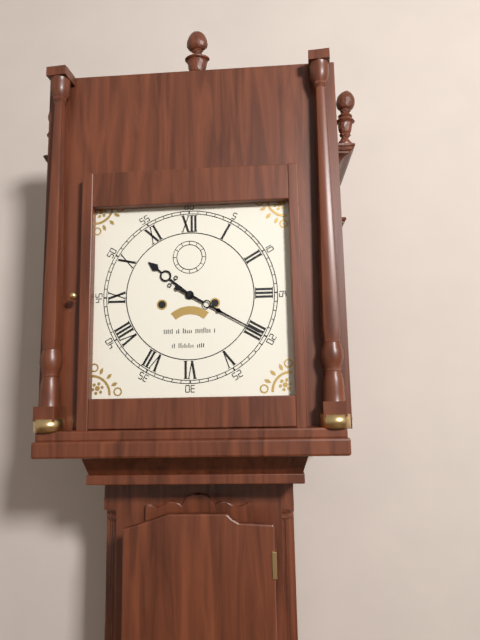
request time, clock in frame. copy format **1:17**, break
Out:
**10:20**
